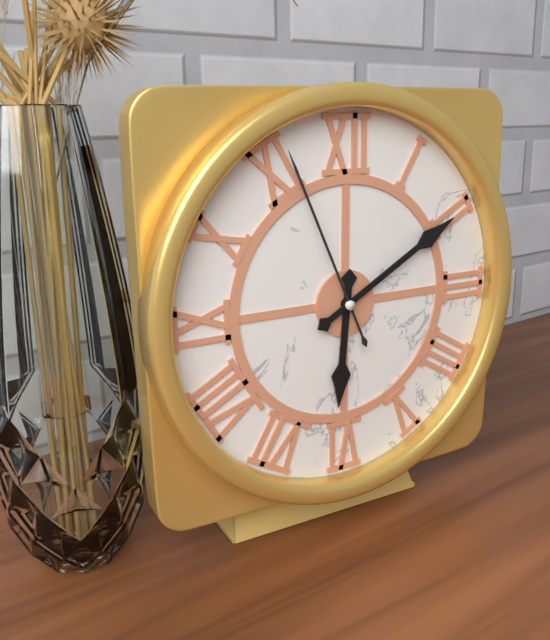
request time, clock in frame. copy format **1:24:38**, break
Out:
**6:10:56**
